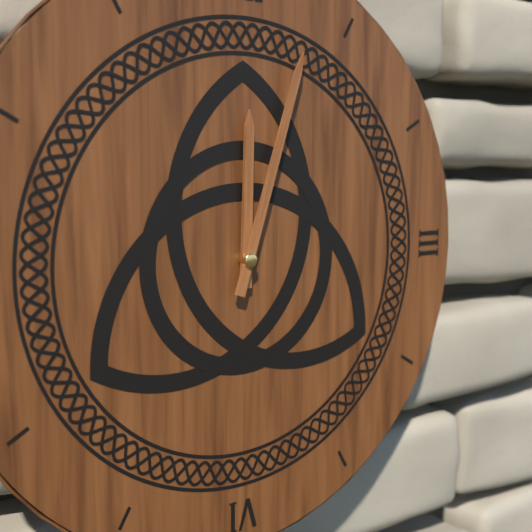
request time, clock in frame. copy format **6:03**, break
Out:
**12:03**
